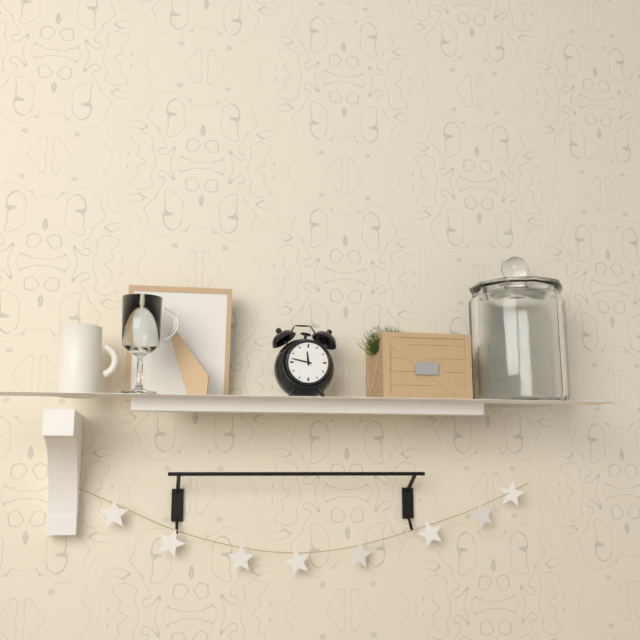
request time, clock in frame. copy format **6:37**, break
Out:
**11:47**
